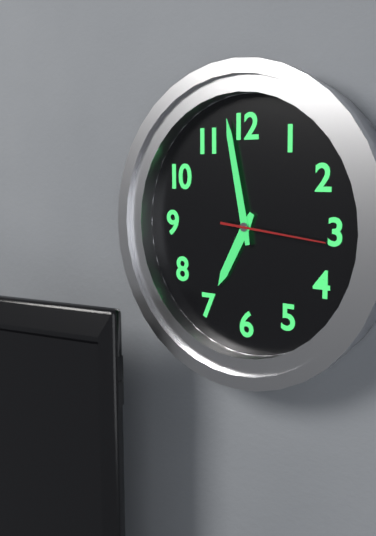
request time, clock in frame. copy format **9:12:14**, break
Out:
**6:58:16**
